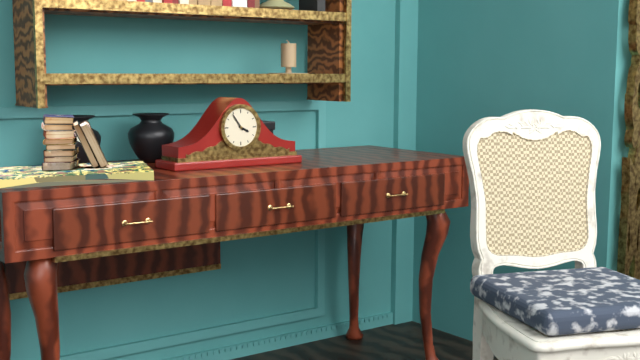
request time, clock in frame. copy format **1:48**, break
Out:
**3:54**
